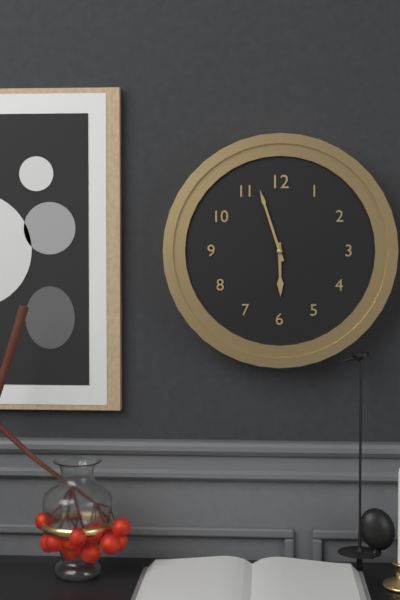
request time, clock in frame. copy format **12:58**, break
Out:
**5:57**
